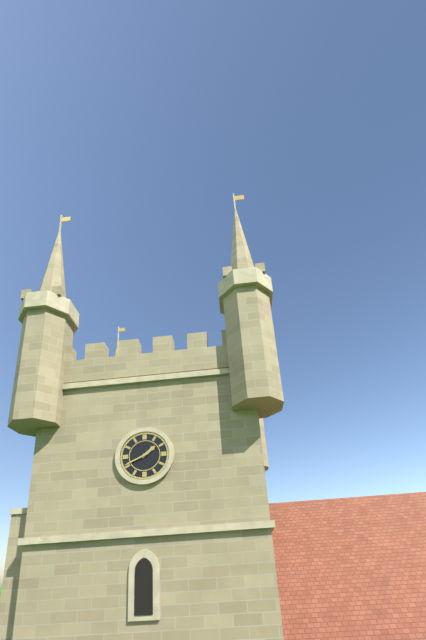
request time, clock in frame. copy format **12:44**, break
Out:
**1:41**
